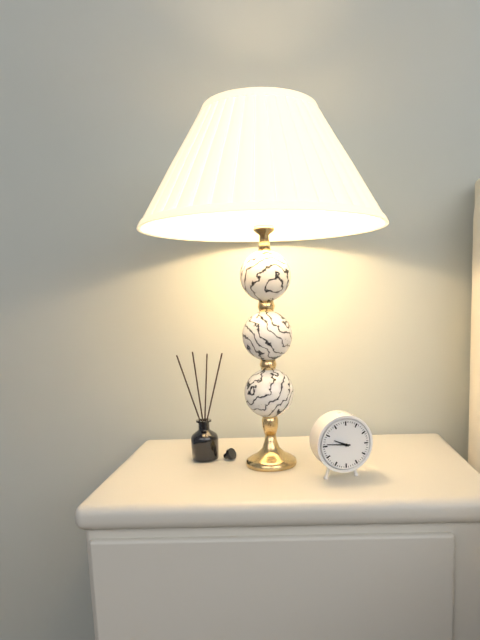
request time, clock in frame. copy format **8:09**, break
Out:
**9:46**
